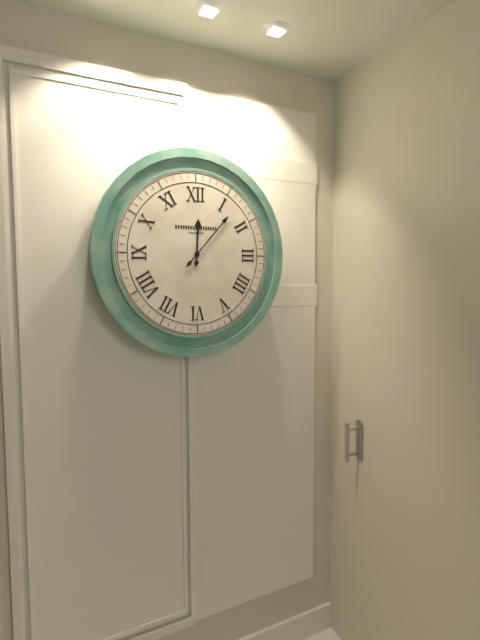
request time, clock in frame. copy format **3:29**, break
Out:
**12:07**
